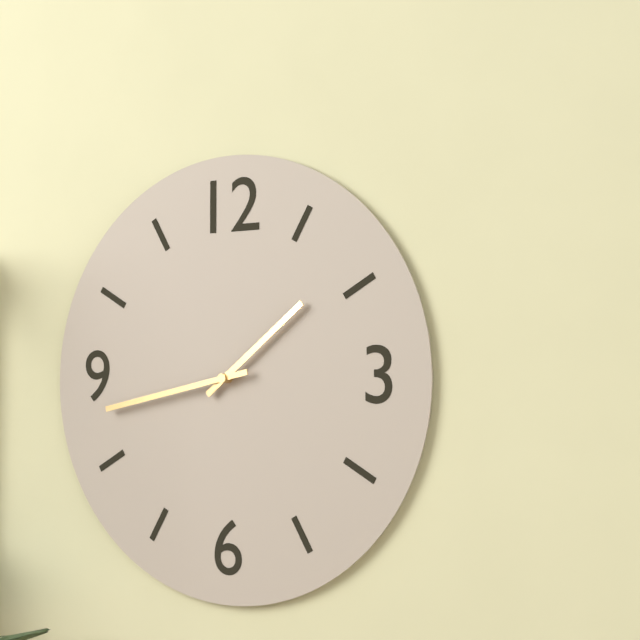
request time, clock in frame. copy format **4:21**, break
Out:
**1:43**
